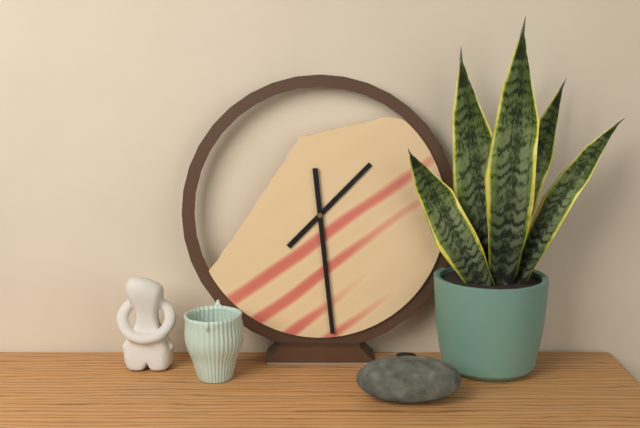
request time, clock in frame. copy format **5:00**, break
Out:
**1:29**
